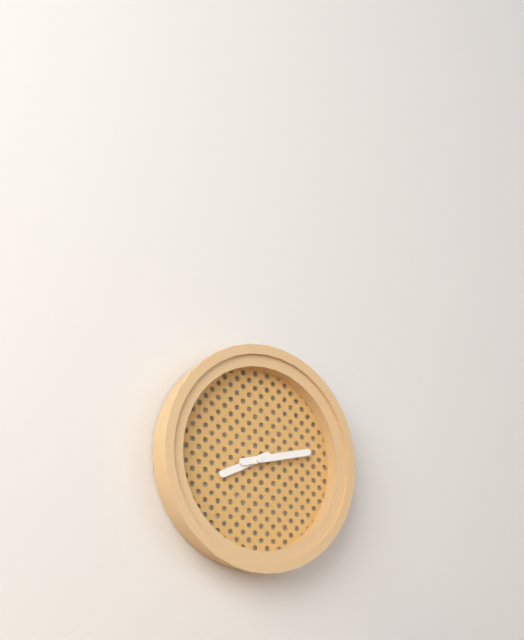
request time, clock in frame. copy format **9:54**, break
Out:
**8:13**
